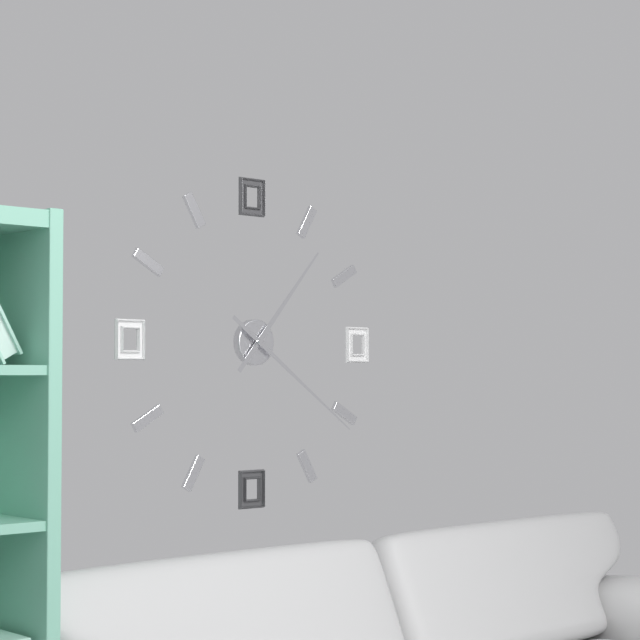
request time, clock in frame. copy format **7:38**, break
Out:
**1:21**
